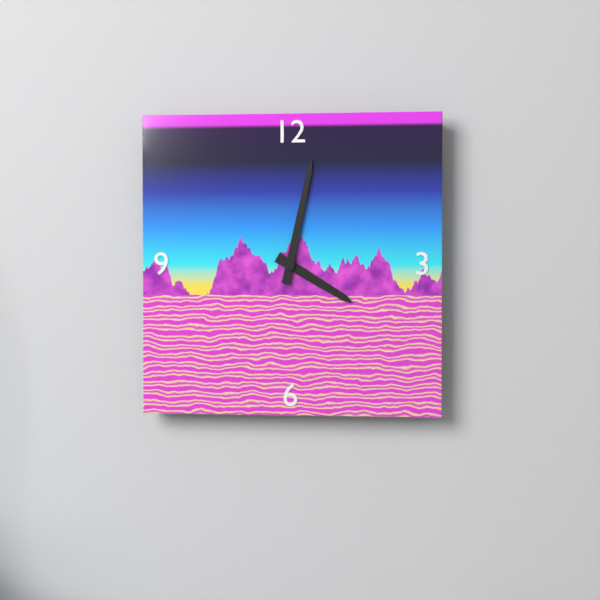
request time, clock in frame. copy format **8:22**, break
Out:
**4:02**
